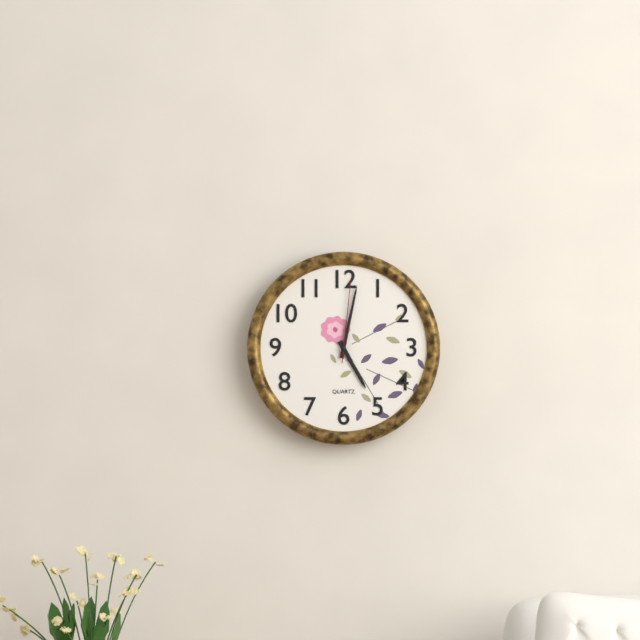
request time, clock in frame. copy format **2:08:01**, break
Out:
**5:02:01**
